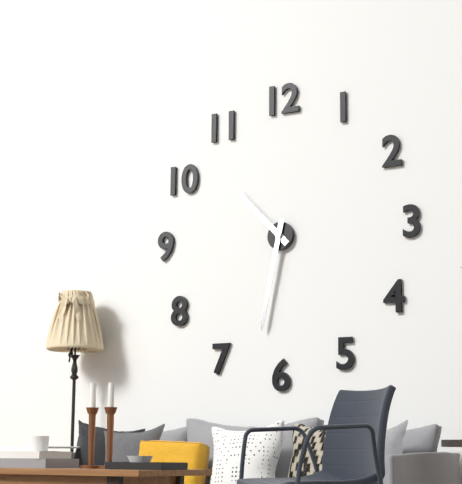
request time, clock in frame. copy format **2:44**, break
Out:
**10:32**
